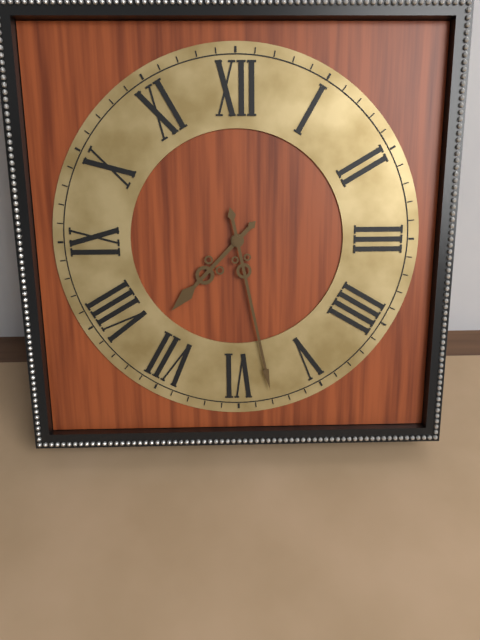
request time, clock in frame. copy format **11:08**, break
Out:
**7:28**
